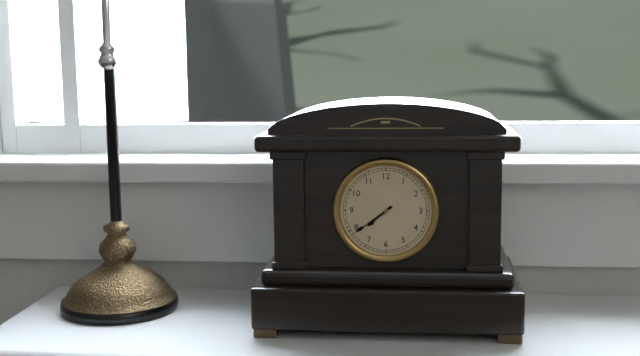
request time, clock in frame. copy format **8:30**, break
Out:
**7:39**
